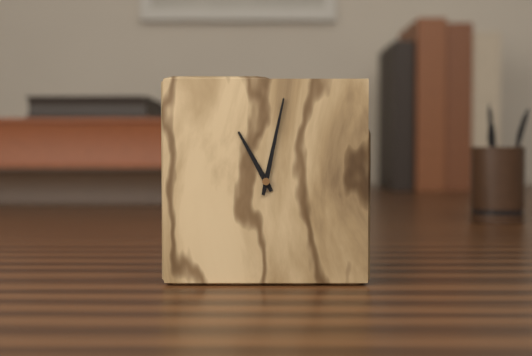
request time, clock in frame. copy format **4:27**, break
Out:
**11:02**
